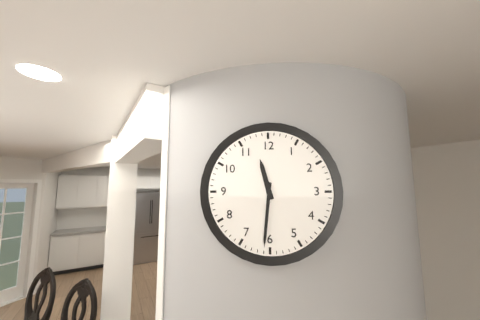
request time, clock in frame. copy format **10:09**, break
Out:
**11:31**
